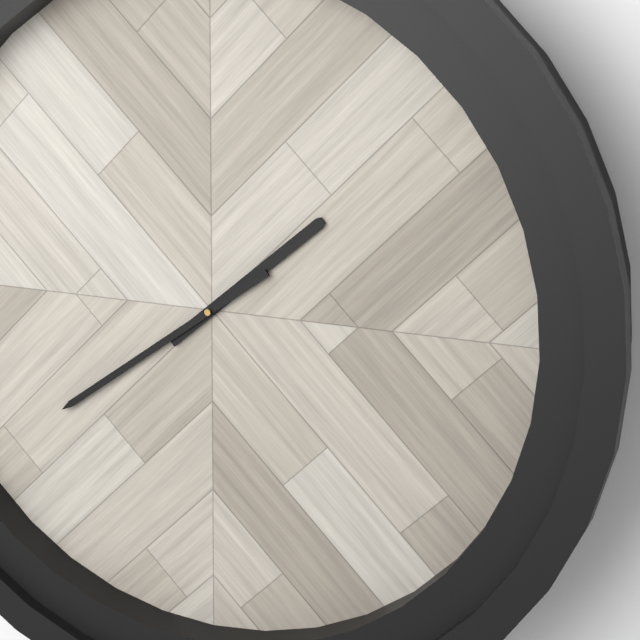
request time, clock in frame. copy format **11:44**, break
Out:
**1:39**
